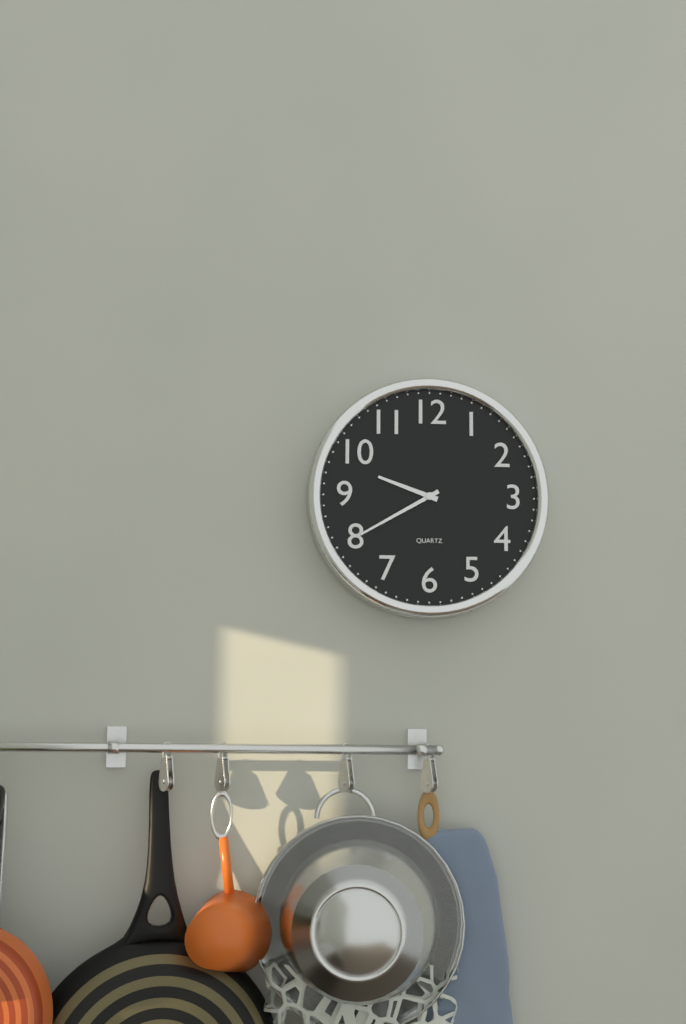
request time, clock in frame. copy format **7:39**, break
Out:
**9:40**
